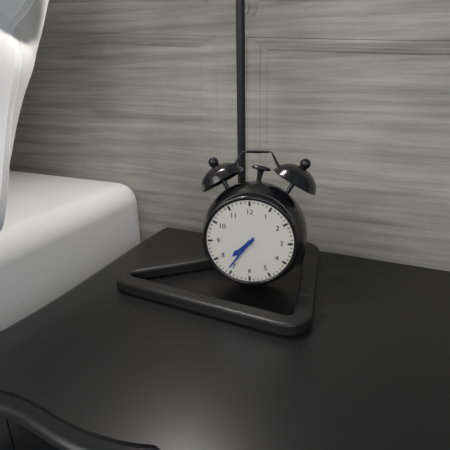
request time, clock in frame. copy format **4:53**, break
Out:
**7:36**
